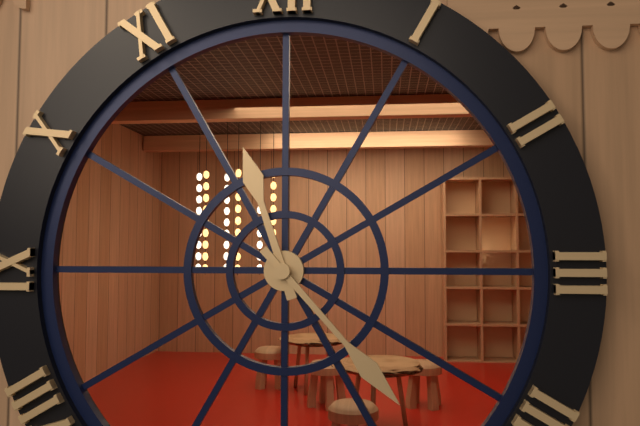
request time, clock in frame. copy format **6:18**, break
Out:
**11:23**
